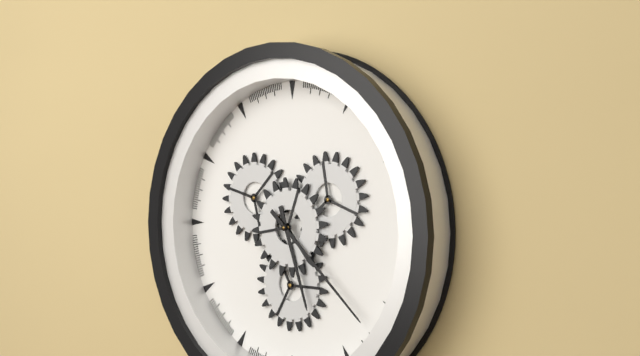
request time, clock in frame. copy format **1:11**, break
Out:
**5:22**
